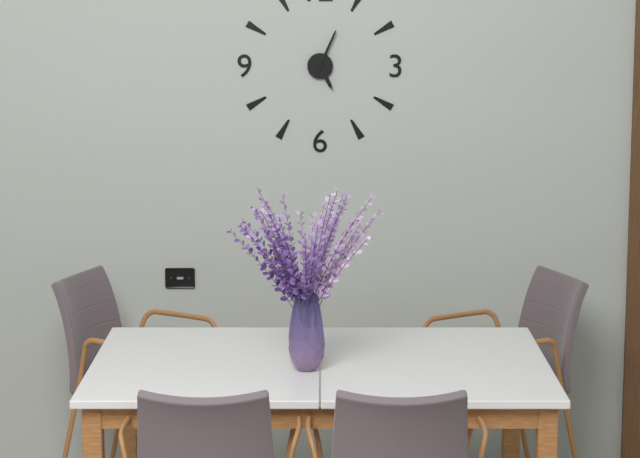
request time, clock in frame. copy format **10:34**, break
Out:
**5:04**
